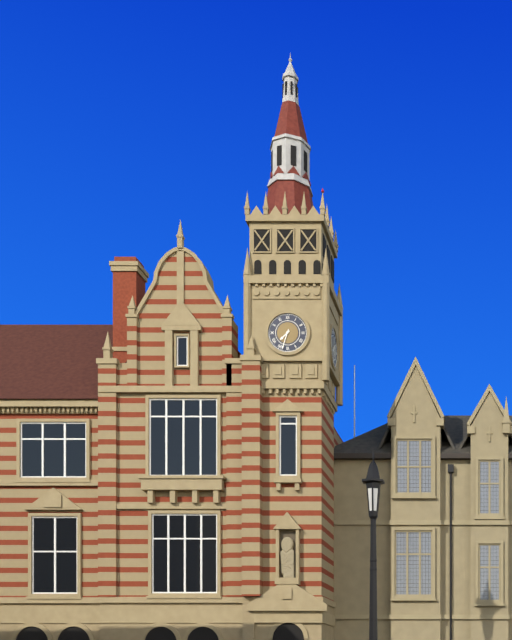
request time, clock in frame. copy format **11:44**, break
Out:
**7:33**
